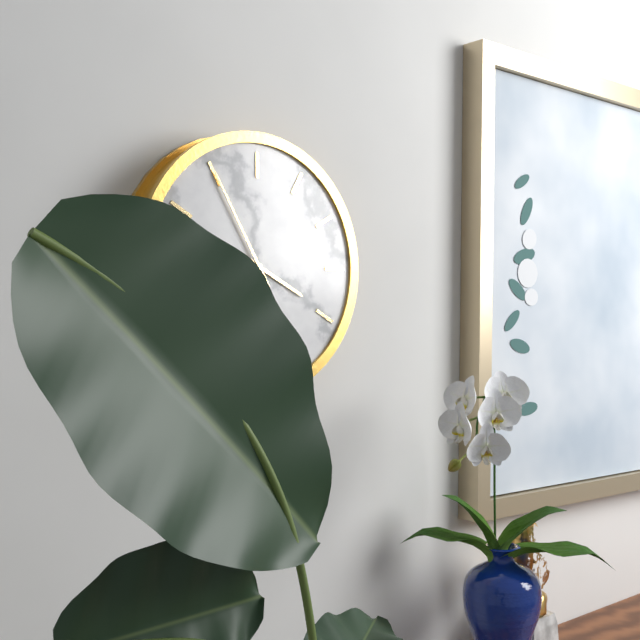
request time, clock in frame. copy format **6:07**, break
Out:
**3:55**
